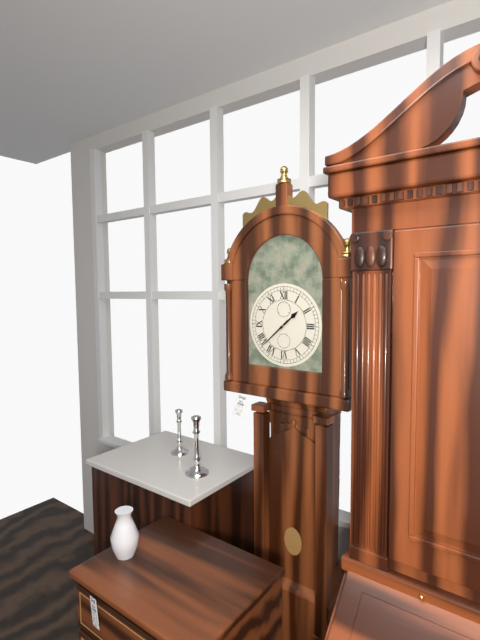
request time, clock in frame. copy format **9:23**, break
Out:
**1:38**
